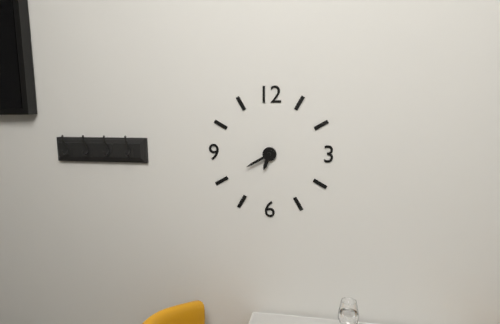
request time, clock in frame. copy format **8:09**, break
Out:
**6:40**
